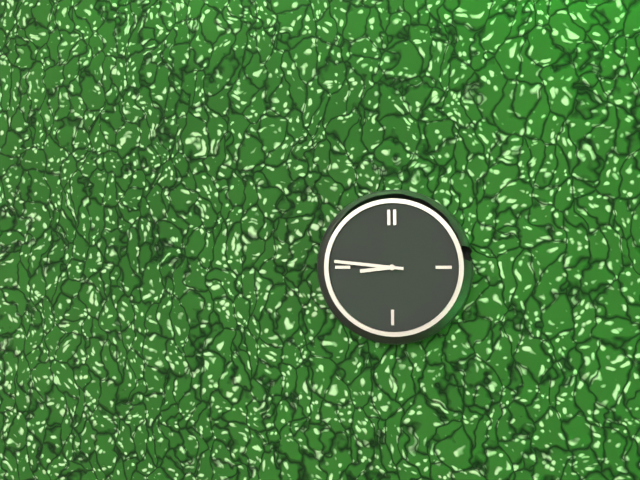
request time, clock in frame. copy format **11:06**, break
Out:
**8:46**
